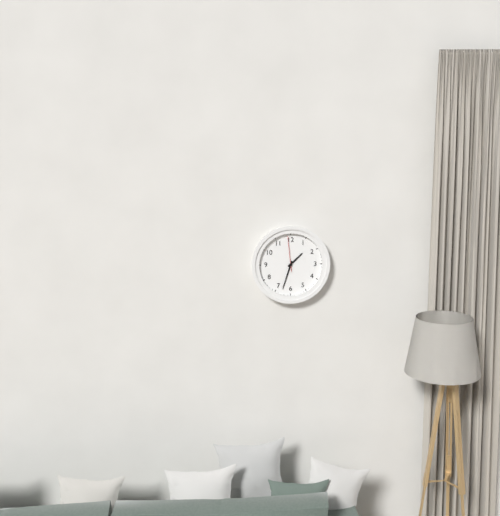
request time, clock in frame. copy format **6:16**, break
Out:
**1:33**
